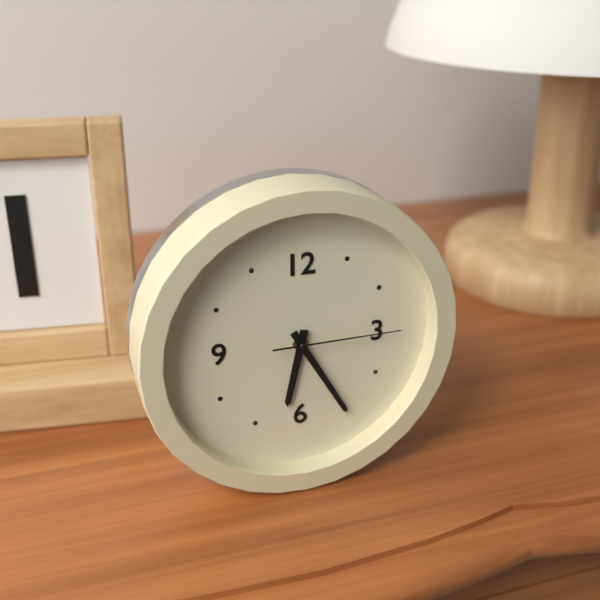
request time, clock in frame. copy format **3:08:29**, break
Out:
**6:25:15**
